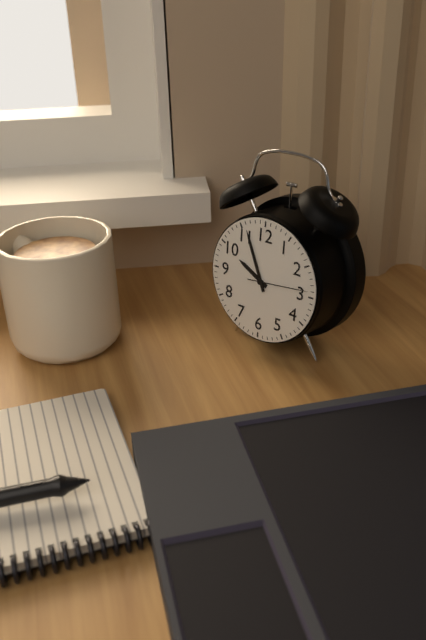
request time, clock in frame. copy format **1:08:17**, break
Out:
**9:56:14**
